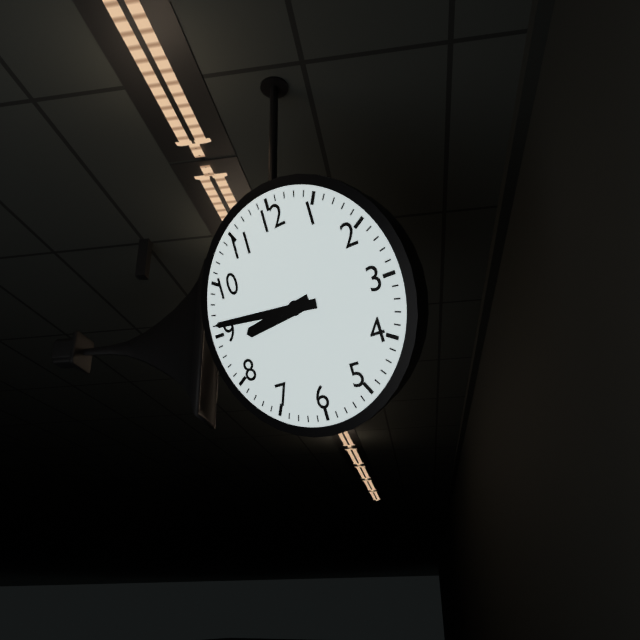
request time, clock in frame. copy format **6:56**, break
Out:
**8:46**
